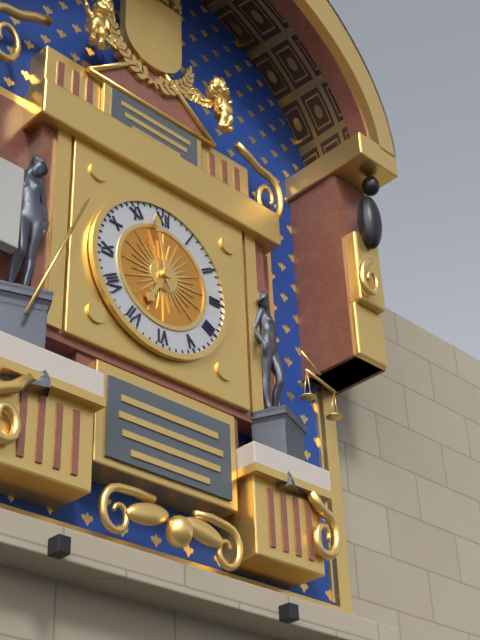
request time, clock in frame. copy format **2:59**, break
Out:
**6:58**
